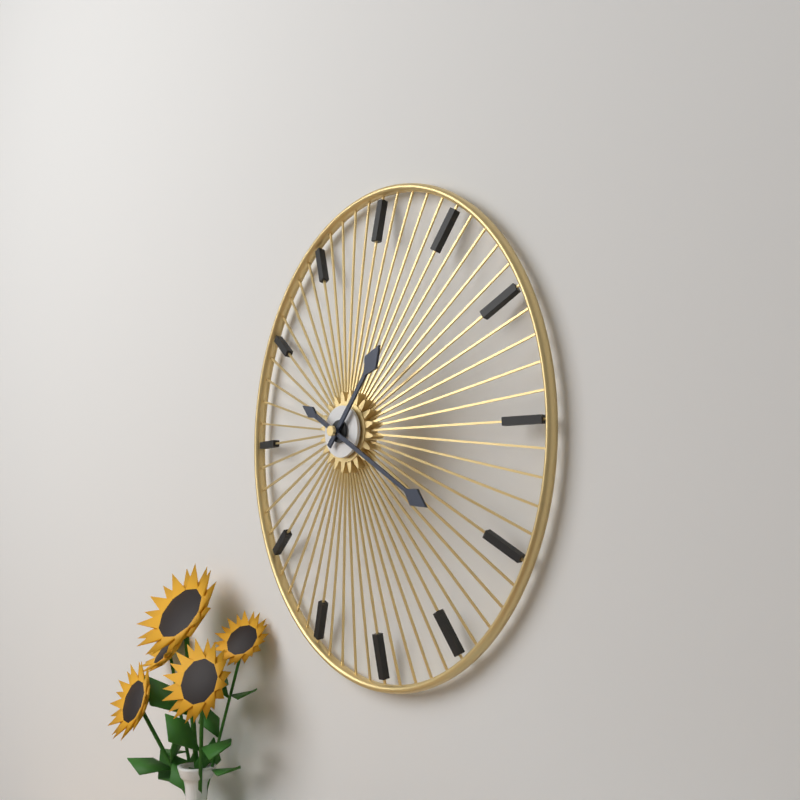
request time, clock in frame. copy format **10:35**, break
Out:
**1:20**
